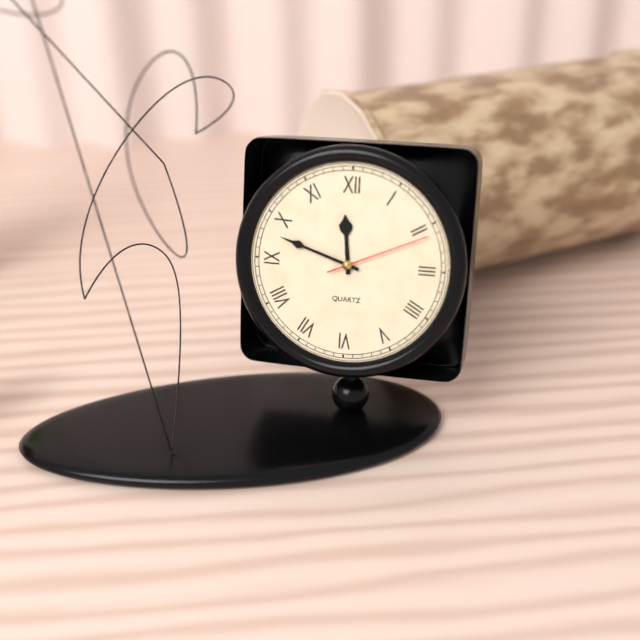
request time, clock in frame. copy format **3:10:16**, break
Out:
**11:48:11**
